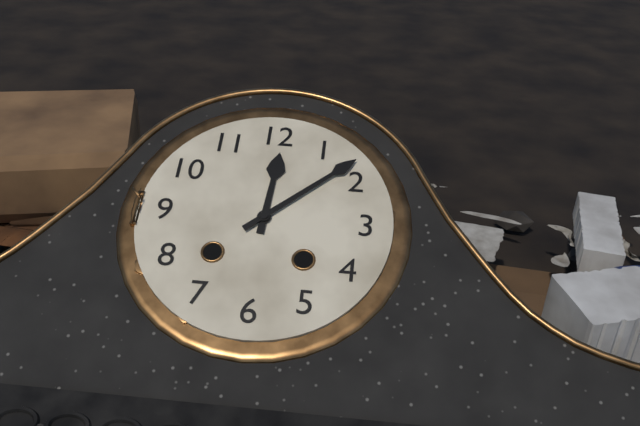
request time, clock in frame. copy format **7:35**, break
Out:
**12:08**
